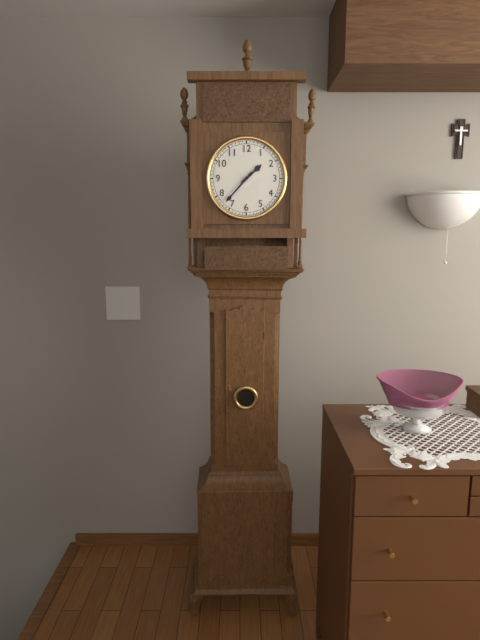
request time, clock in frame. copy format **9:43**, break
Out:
**1:37**
